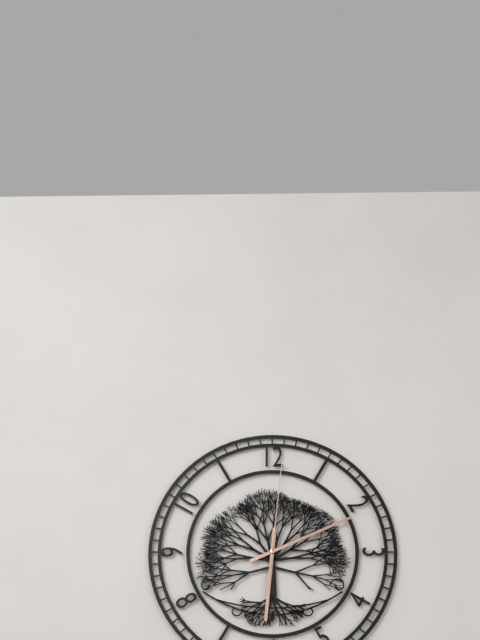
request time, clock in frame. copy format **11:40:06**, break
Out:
**6:11:01**
